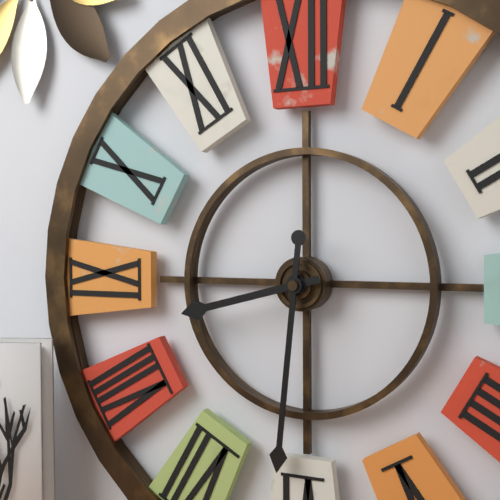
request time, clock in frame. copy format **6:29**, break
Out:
**8:31**
